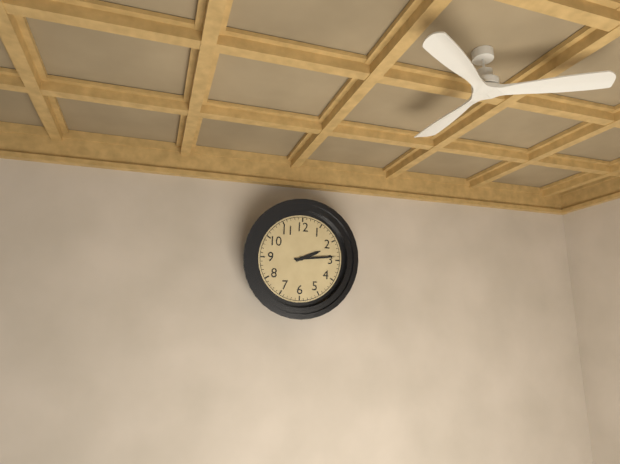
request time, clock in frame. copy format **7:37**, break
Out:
**2:14**
